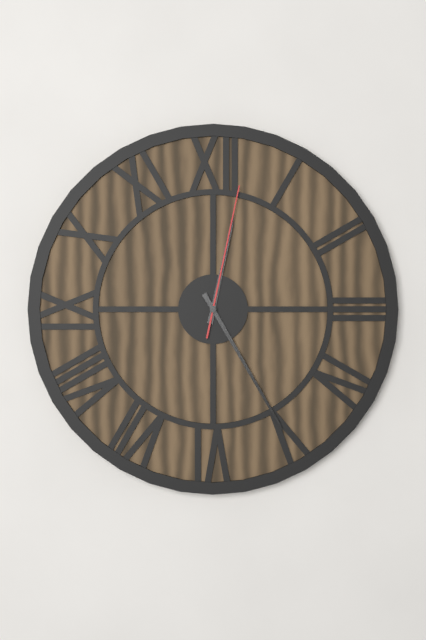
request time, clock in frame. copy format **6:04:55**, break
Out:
**12:25:02**
